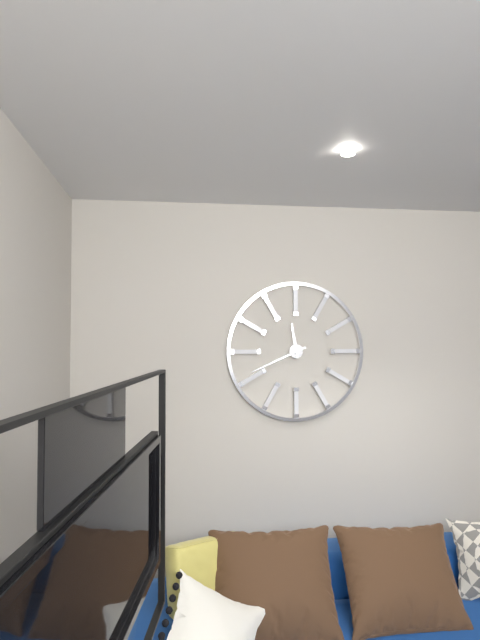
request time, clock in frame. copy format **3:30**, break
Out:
**11:41**
